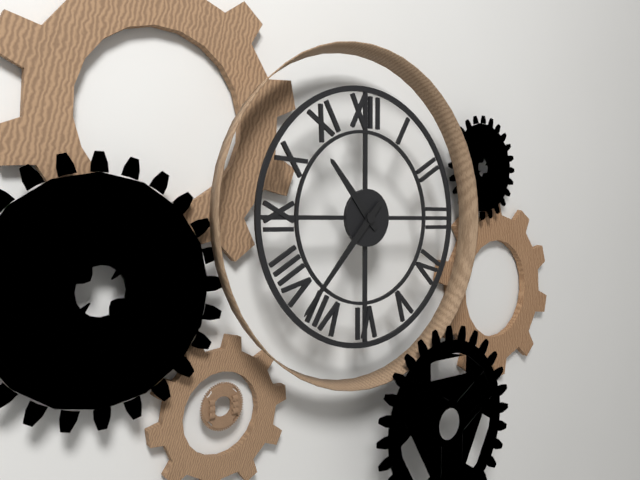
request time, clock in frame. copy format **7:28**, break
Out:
**10:37**
